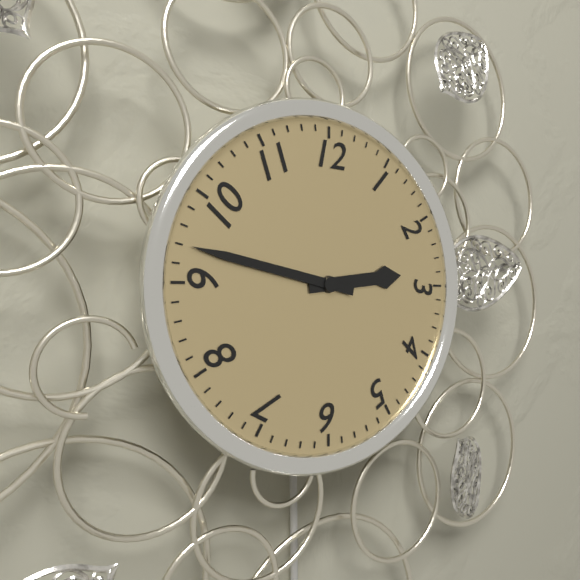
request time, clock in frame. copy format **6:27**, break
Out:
**2:47**
